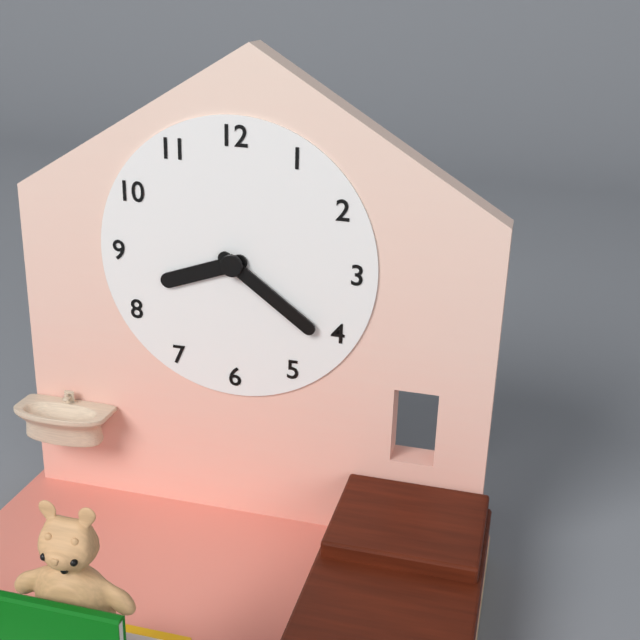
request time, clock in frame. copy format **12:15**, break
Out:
**8:21**
